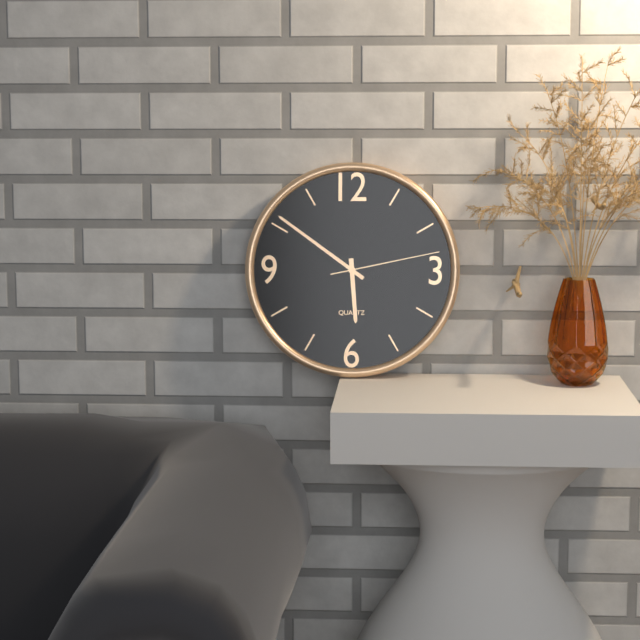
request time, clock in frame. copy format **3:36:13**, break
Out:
**5:51:13**
